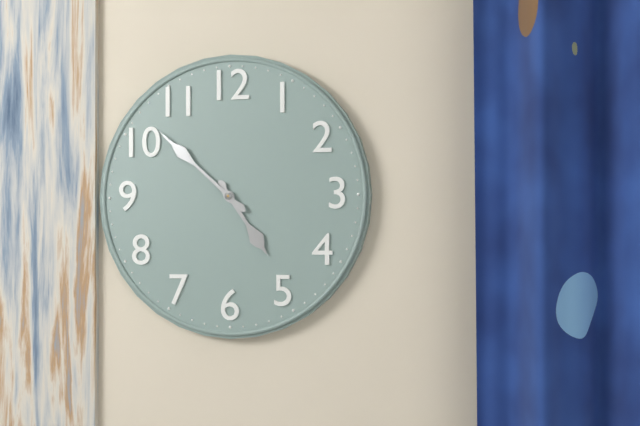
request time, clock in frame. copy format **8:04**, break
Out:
**4:52**
